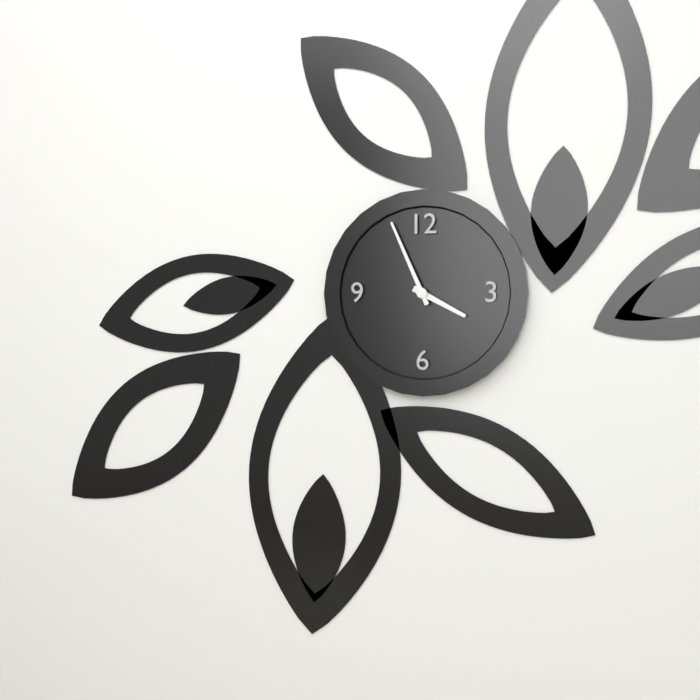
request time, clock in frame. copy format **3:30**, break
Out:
**3:56**
